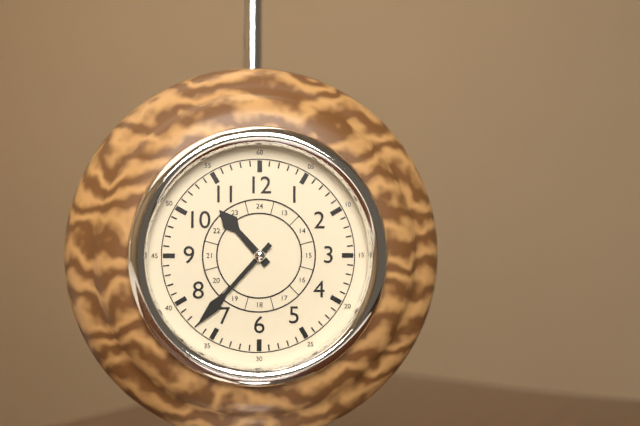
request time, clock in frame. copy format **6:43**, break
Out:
**10:37**
